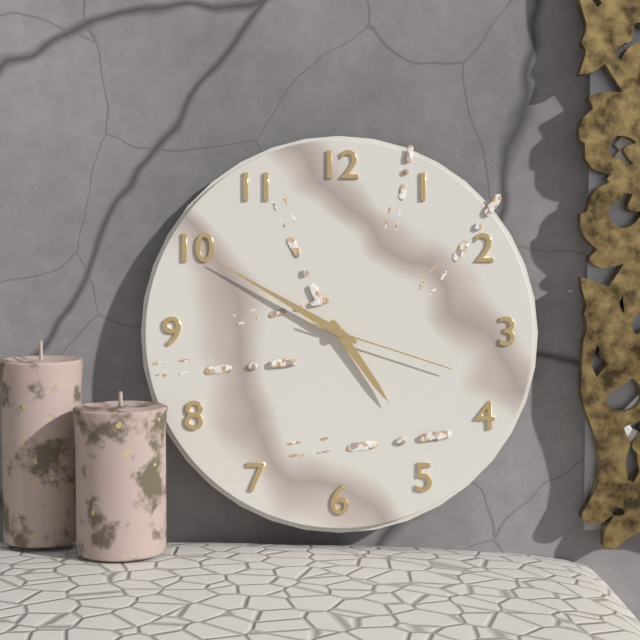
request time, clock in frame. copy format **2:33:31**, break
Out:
**4:50:18**
